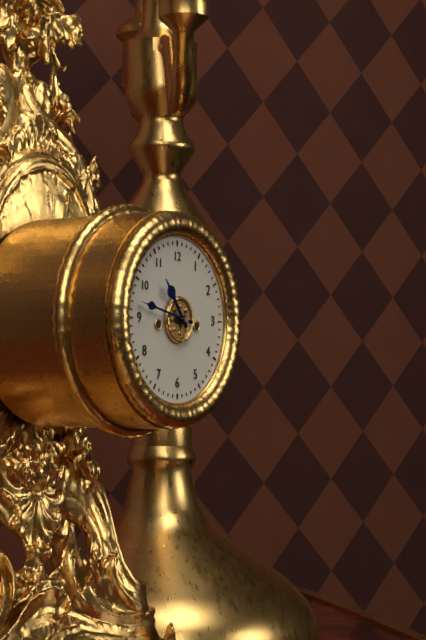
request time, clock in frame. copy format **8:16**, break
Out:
**10:47**
